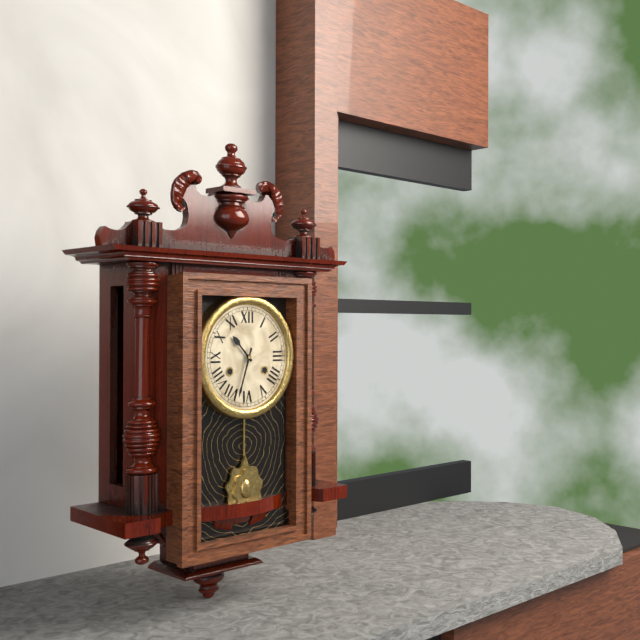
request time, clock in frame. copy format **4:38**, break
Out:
**10:33**
